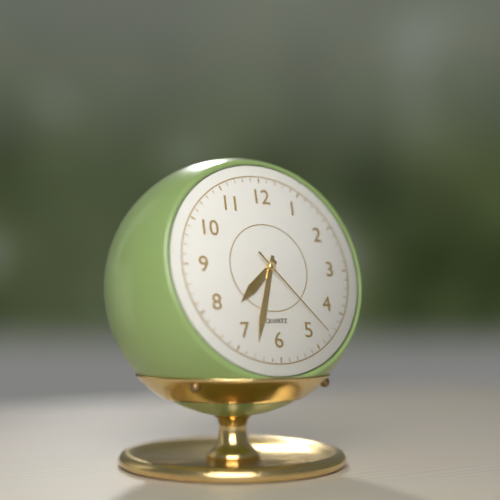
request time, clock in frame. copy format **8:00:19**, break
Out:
**7:33:23**
